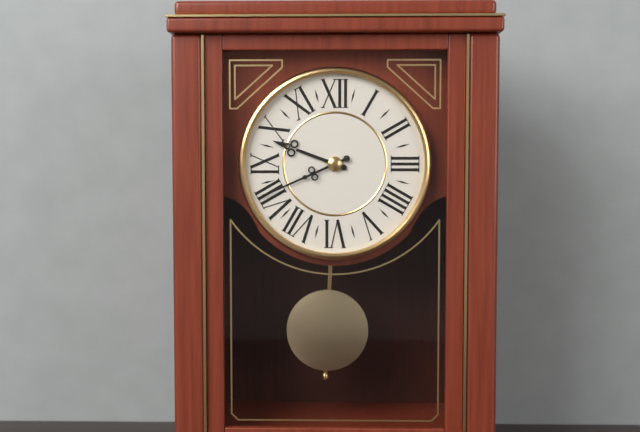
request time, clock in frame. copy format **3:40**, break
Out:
**9:41**
